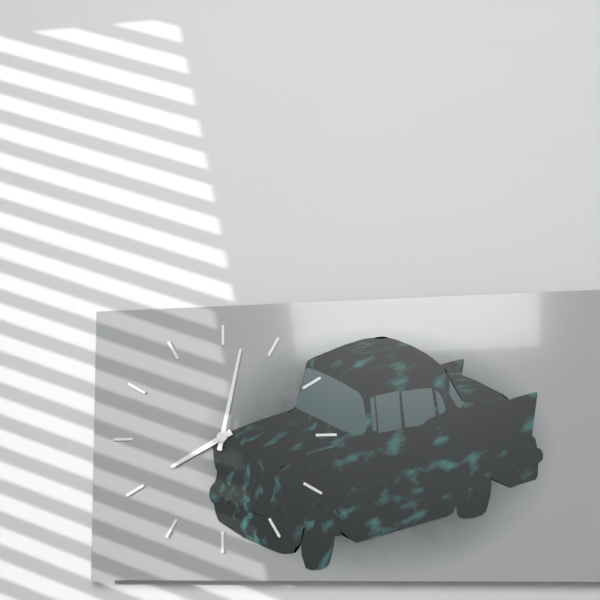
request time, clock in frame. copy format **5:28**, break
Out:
**8:02**
